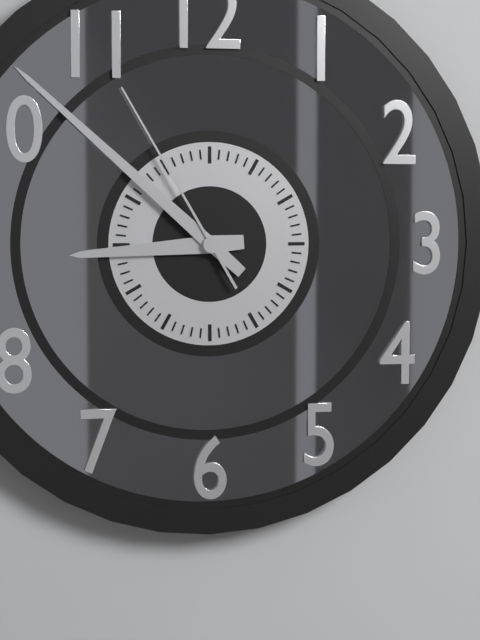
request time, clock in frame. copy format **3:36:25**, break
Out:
**8:52:55**
